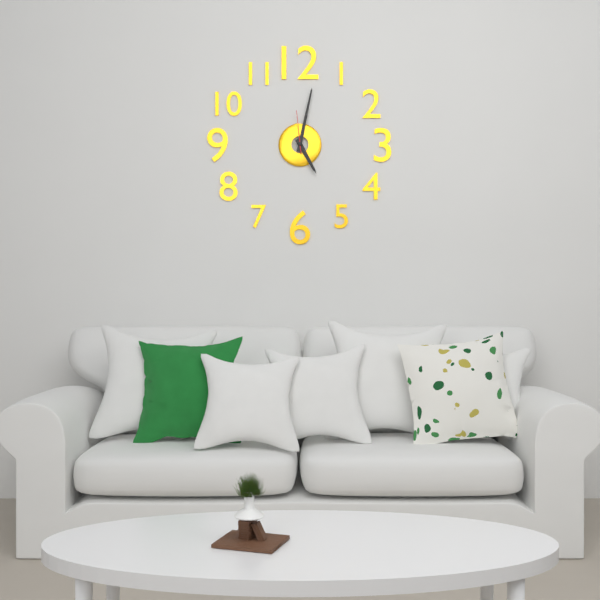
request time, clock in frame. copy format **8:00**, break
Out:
**5:02**
